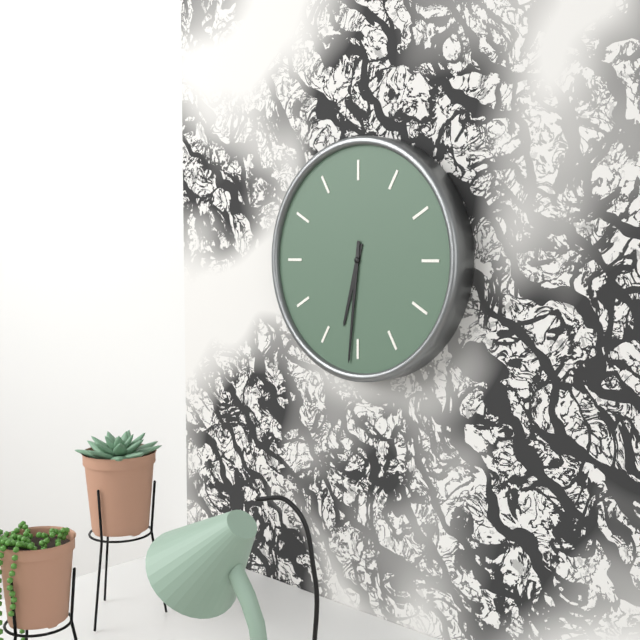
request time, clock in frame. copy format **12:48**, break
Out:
**6:31**
